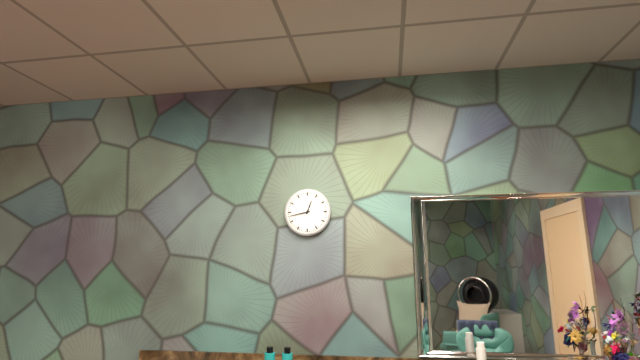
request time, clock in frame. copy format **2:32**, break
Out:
**12:43**
